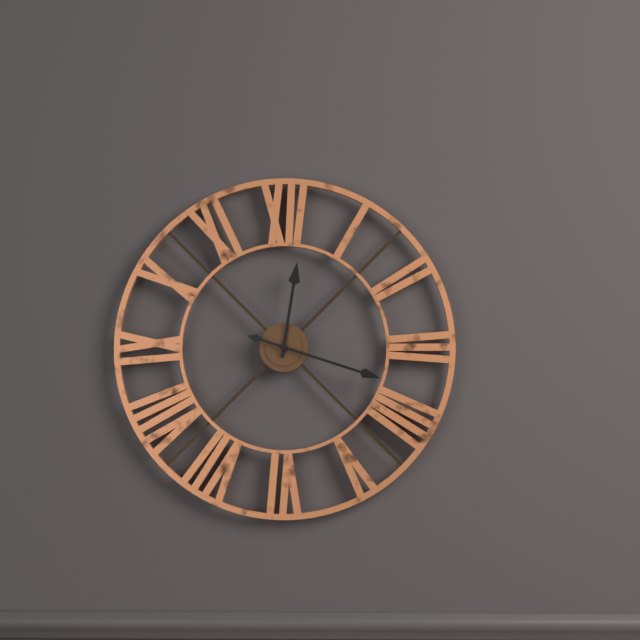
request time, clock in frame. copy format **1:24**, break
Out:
**12:18**
